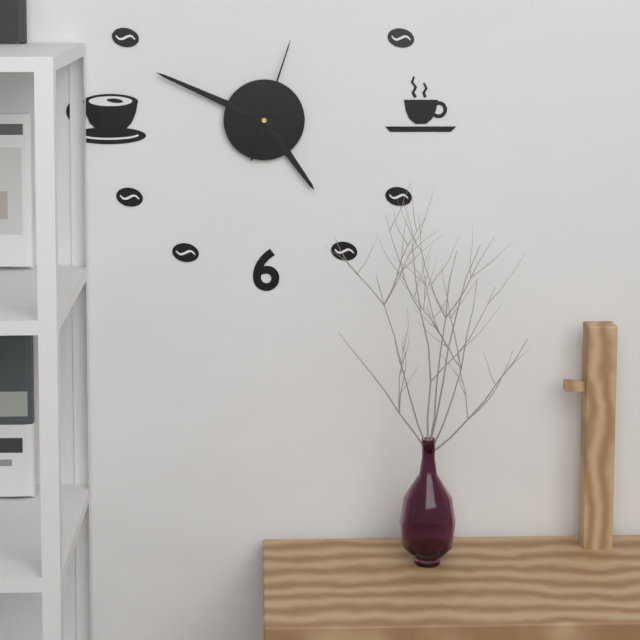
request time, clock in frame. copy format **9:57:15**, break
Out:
**4:49:03**
